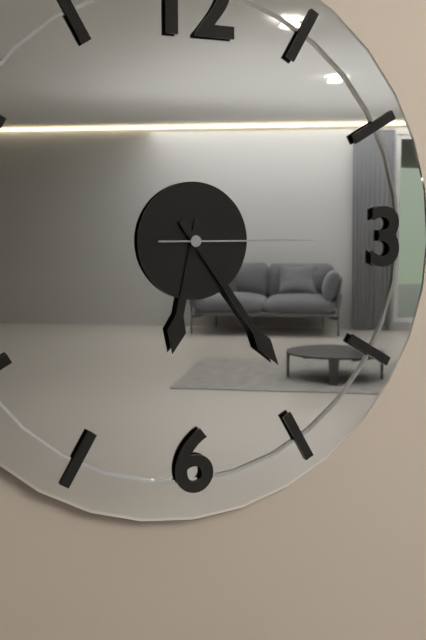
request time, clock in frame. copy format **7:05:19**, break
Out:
**6:24:15**
